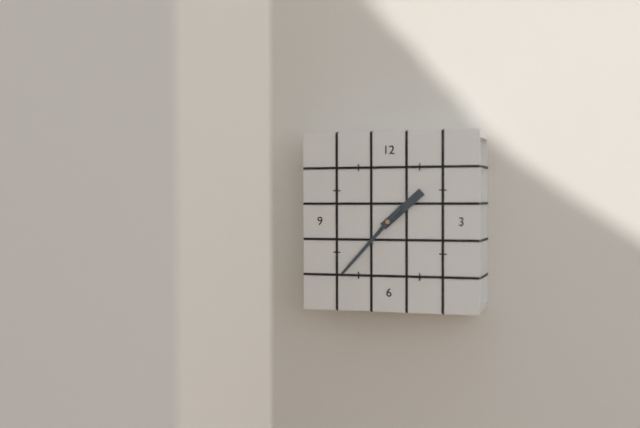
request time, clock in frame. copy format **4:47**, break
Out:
**1:37**
